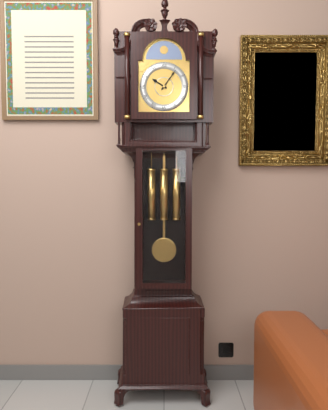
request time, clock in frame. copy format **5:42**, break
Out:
**10:06**
